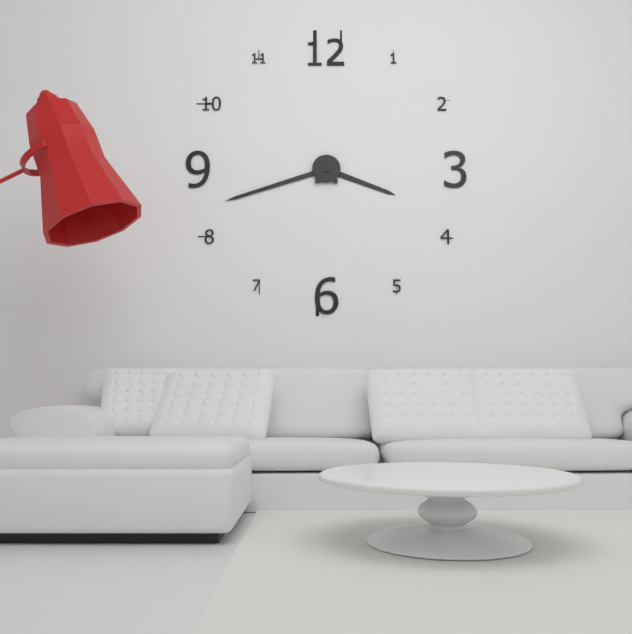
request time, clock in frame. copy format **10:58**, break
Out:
**3:42**
